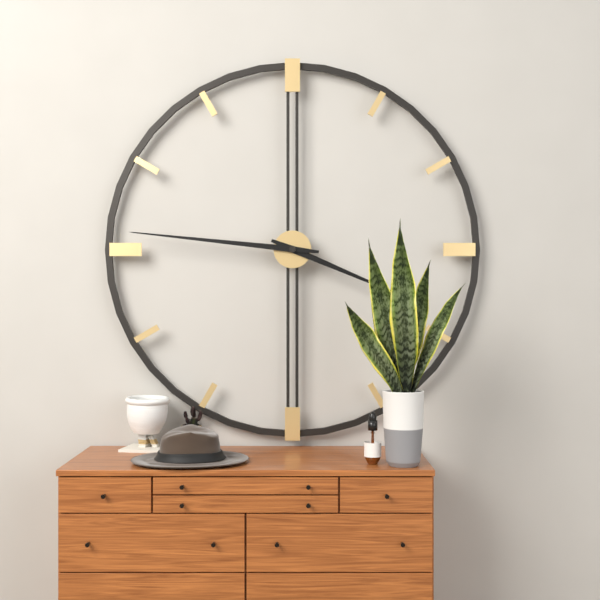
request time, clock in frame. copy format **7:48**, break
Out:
**3:46**
